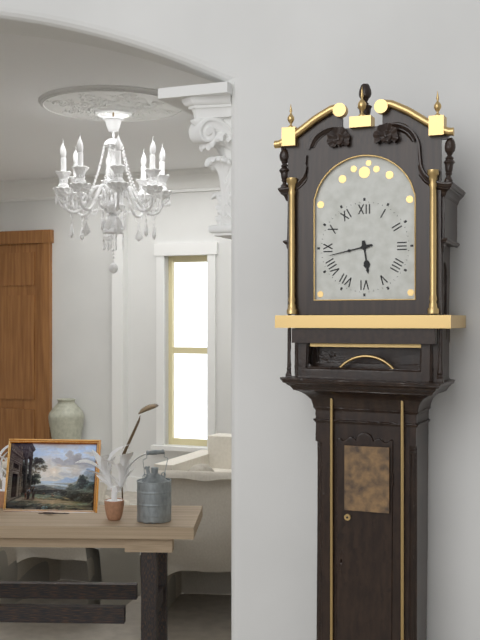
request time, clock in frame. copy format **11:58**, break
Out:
**5:43**
